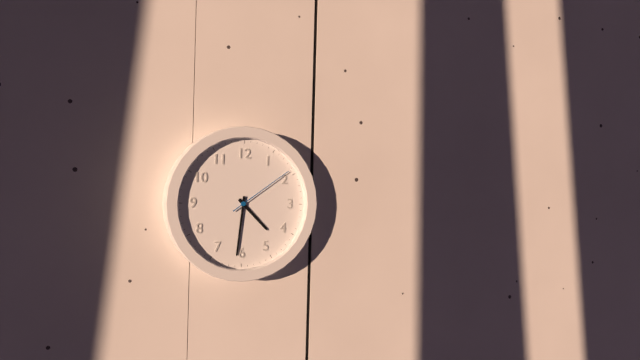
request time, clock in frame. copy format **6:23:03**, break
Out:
**4:31:09**
